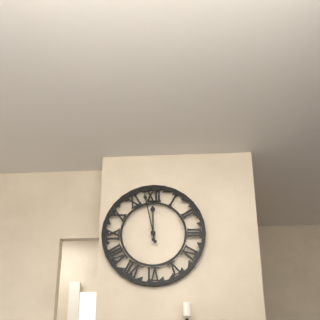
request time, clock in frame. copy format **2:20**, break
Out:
**11:58**
